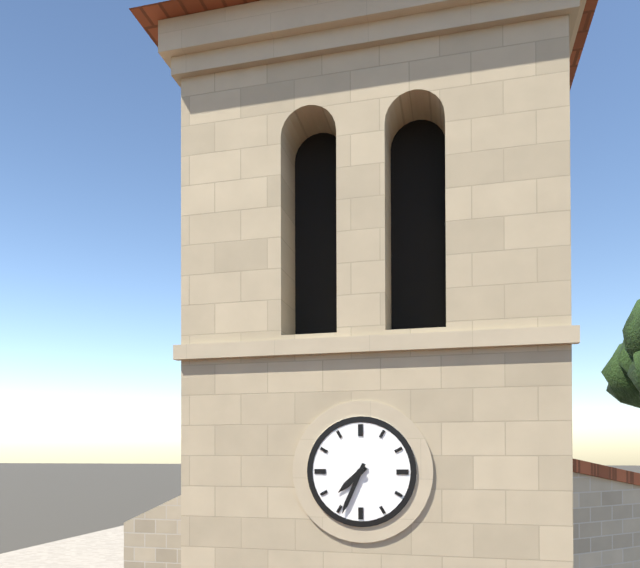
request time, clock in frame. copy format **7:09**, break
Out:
**7:34**
